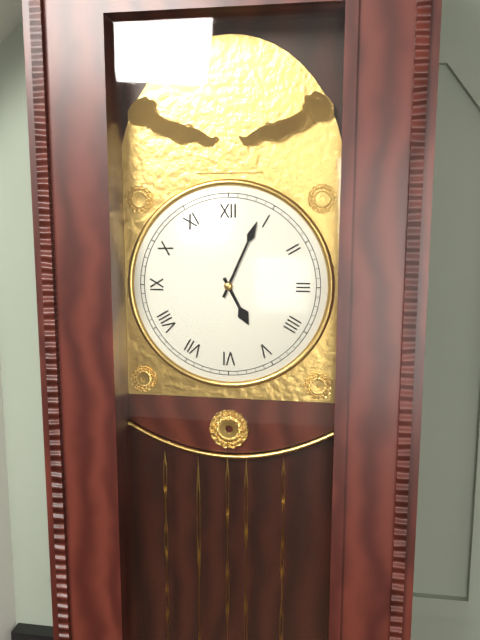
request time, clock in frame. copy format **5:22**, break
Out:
**5:04**
